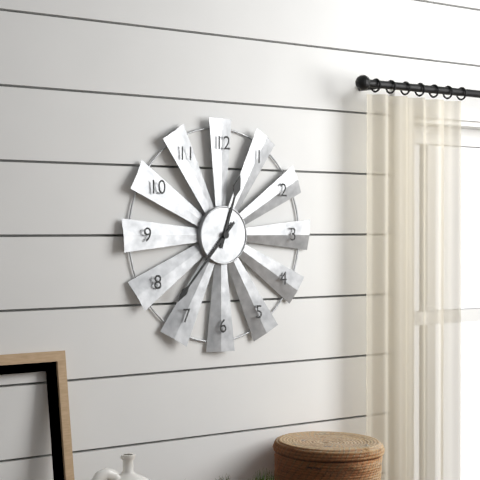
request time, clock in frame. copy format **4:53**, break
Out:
**12:37**
